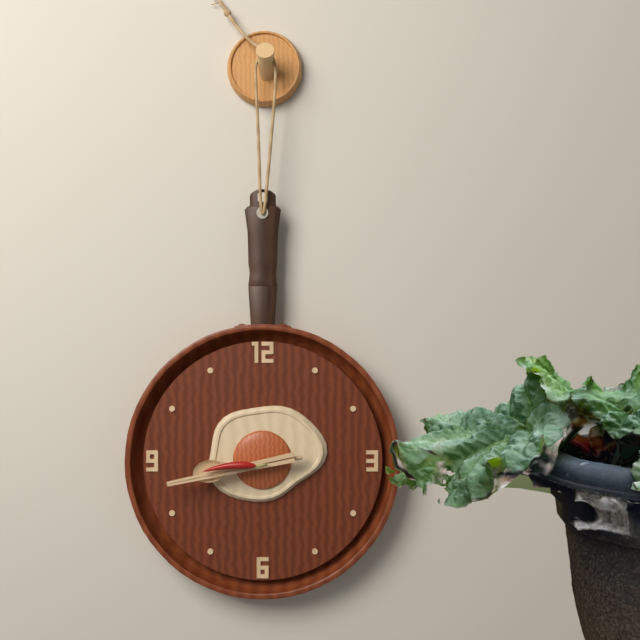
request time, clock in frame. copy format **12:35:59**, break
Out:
**8:43:44**
